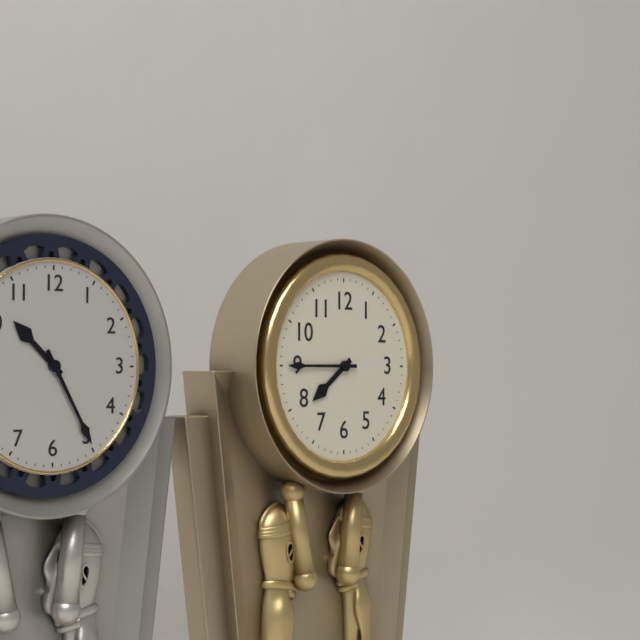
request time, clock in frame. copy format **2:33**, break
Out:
**7:45**
